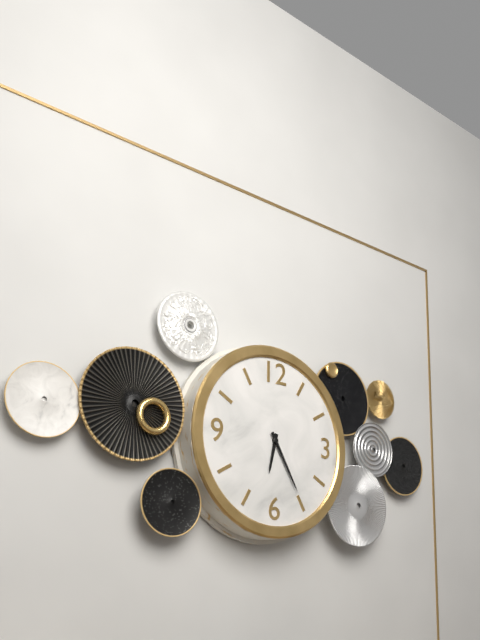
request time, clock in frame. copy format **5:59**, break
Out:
**6:25**
